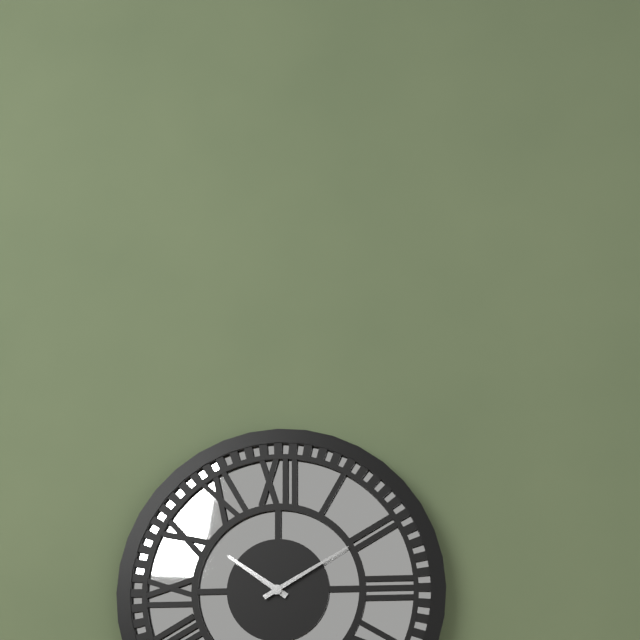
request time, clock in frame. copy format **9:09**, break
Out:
**10:10**
